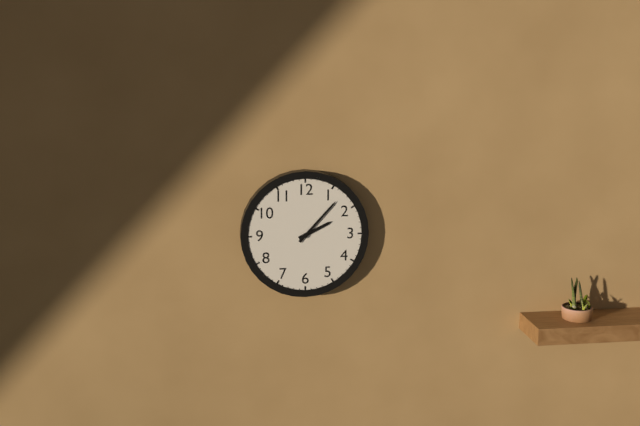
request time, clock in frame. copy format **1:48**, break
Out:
**2:07**
